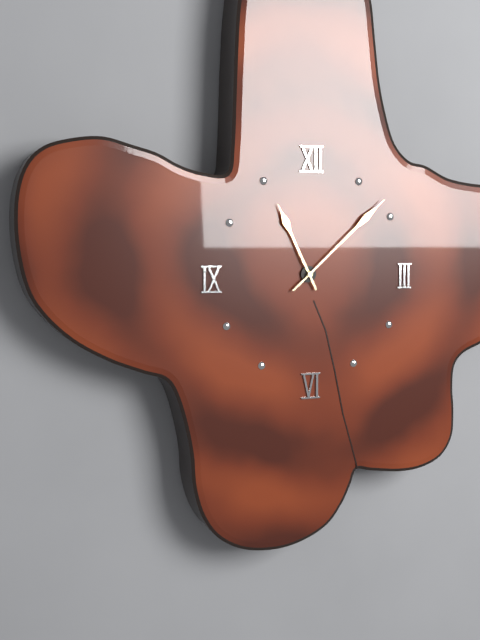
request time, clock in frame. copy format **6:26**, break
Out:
**11:08**
